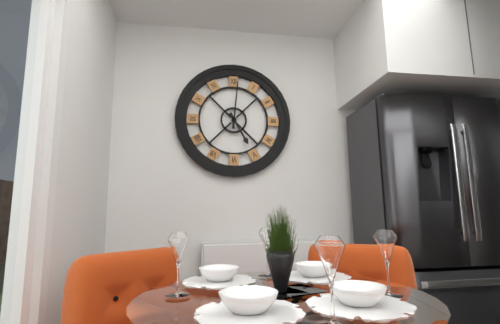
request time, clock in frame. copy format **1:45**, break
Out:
**5:01**
